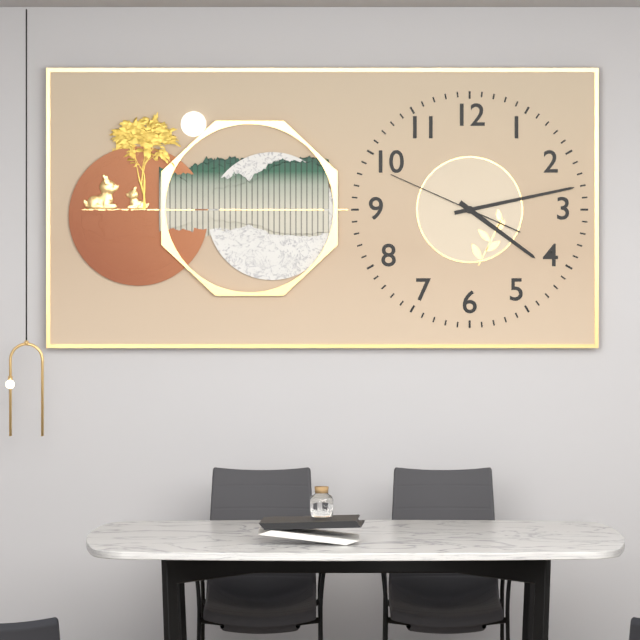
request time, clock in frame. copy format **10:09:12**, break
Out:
**4:13:49**
